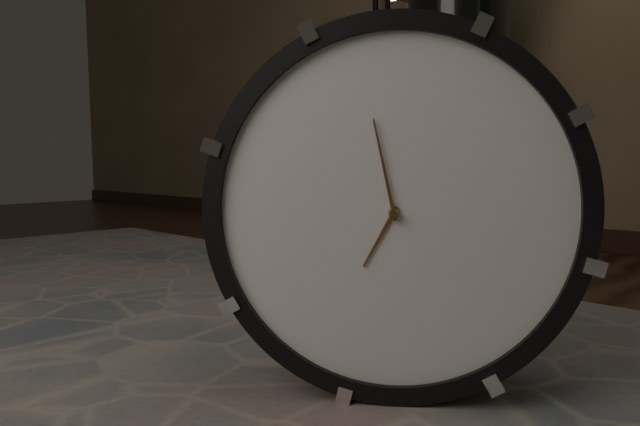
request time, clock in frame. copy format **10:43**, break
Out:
**6:58**
